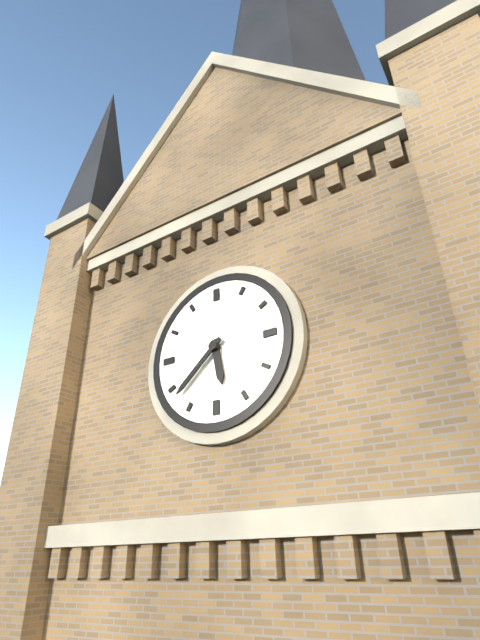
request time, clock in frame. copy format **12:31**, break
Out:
**5:38**
